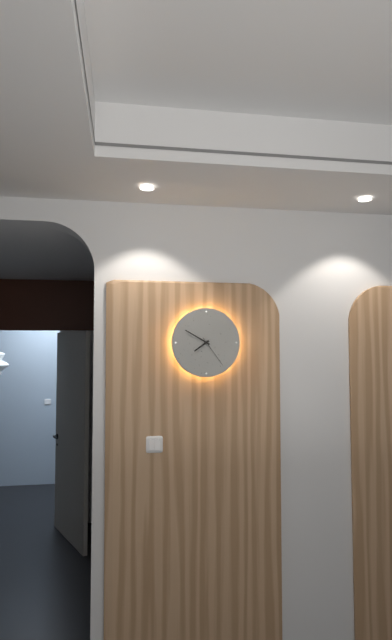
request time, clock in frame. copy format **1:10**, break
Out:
**7:50**
